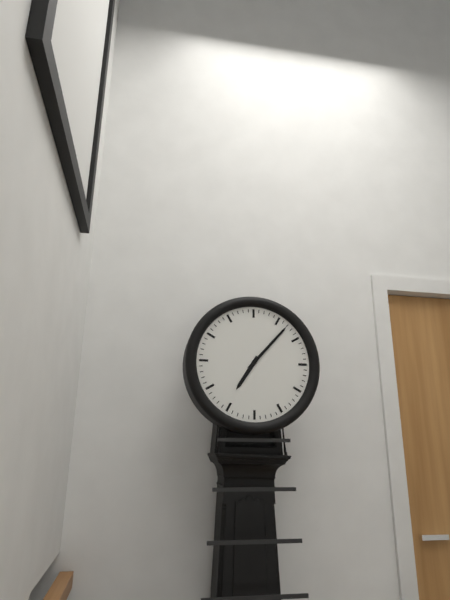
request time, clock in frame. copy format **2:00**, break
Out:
**7:07**
